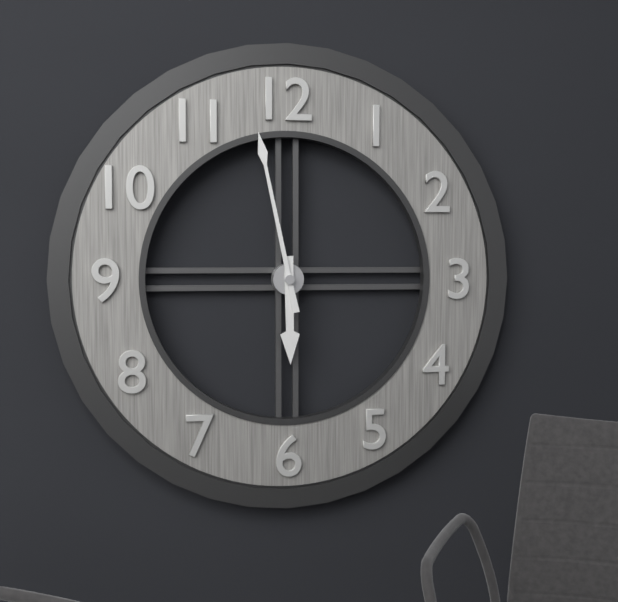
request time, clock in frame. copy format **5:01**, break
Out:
**5:58**
